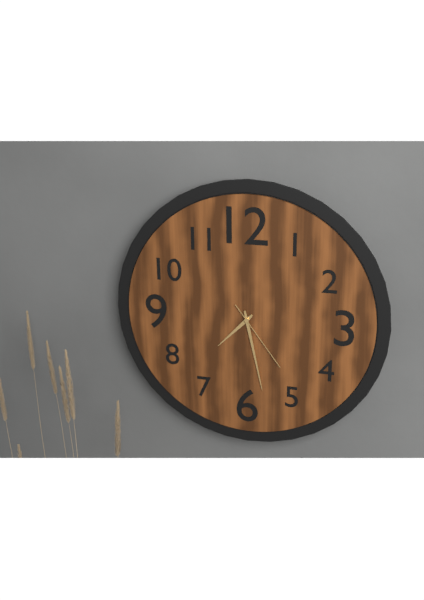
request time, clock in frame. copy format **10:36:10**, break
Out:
**7:28:24**
